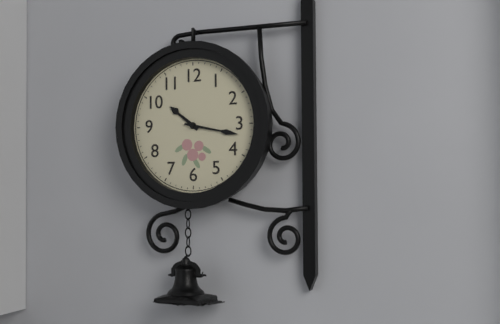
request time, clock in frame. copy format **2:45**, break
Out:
**10:17**
